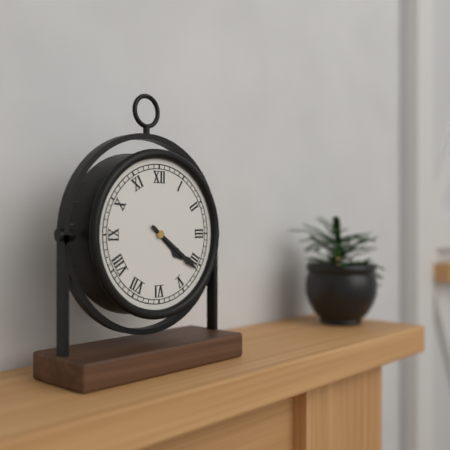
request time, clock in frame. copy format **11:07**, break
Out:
**4:21**
